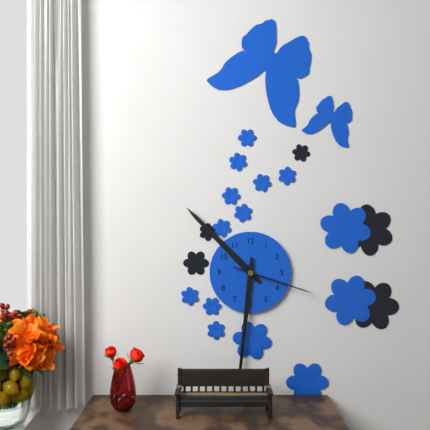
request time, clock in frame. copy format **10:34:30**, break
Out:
**10:31:18**
